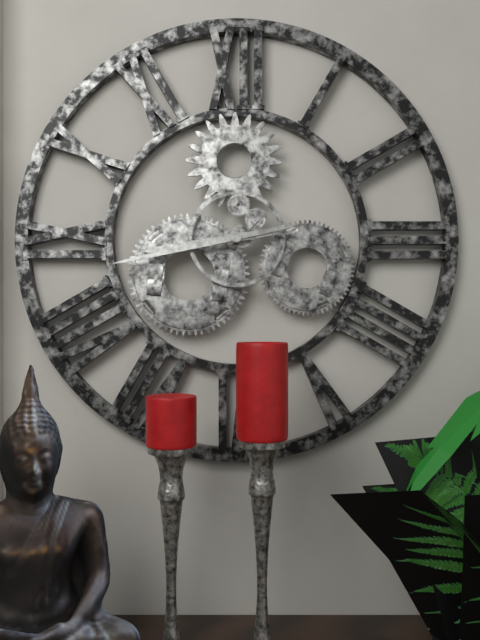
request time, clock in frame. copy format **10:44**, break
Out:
**8:43**
